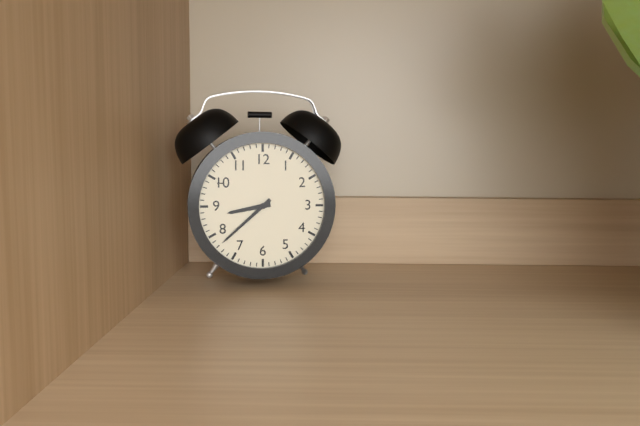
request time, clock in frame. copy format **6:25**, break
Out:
**8:38**
